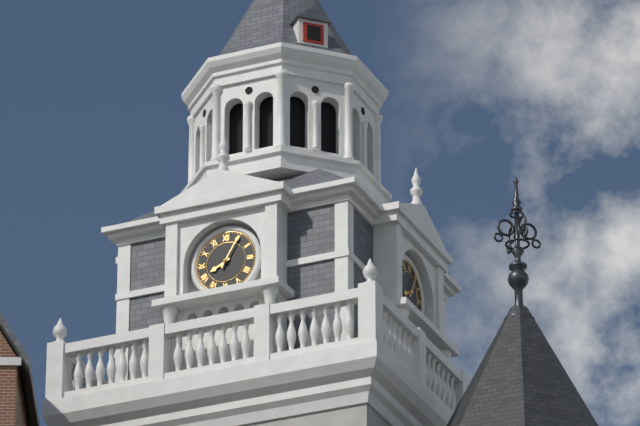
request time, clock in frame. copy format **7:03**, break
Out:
**8:05**
